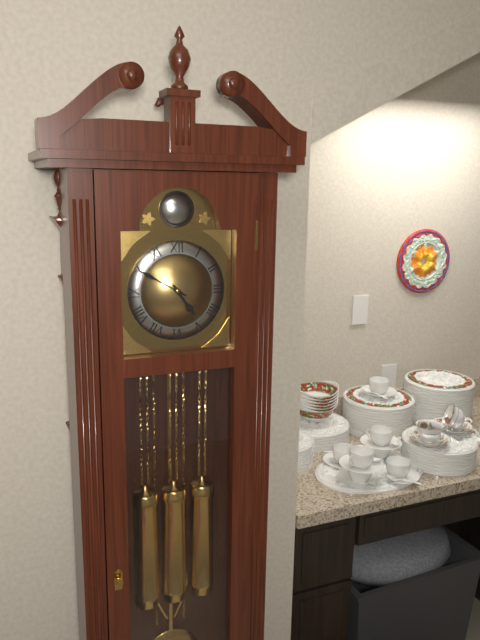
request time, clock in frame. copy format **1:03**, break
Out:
**4:50**
